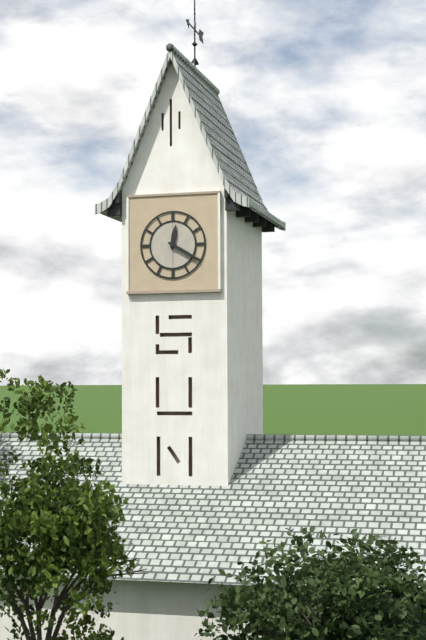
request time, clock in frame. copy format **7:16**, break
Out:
**12:20**
